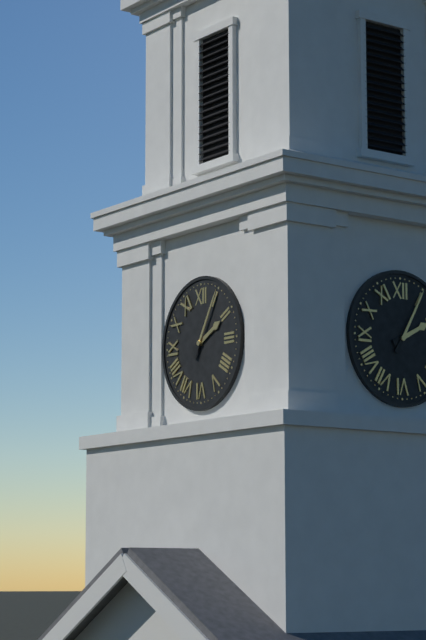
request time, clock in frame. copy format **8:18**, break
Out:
**2:05**
